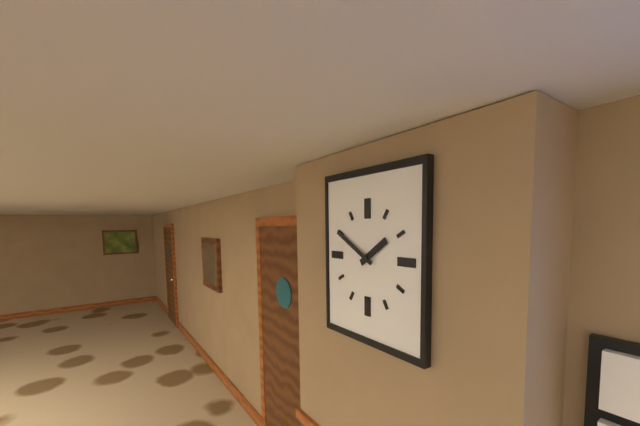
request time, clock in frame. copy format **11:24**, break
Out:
**1:50**
